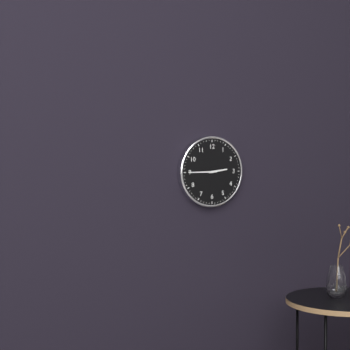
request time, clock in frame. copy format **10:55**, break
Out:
**2:45**
